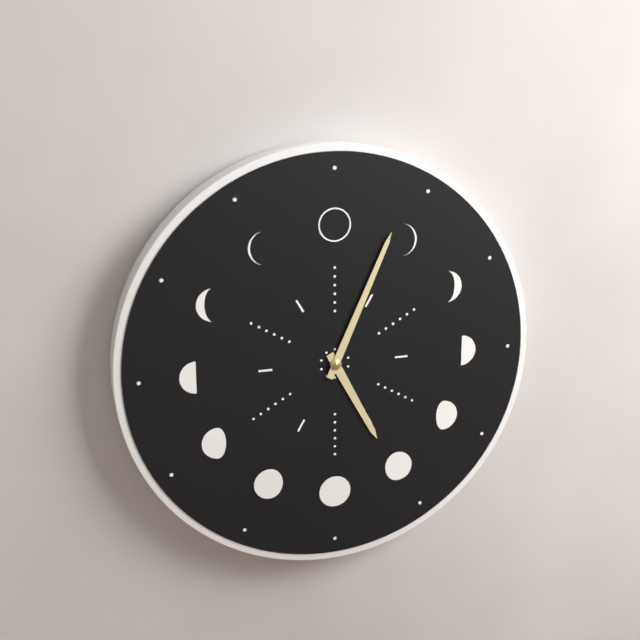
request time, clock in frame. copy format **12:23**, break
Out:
**5:04**
